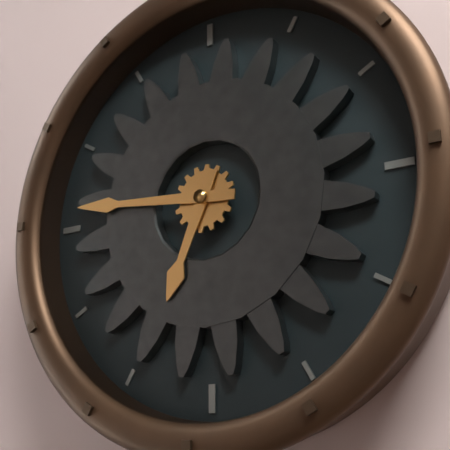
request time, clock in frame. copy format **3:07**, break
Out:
**6:46**
